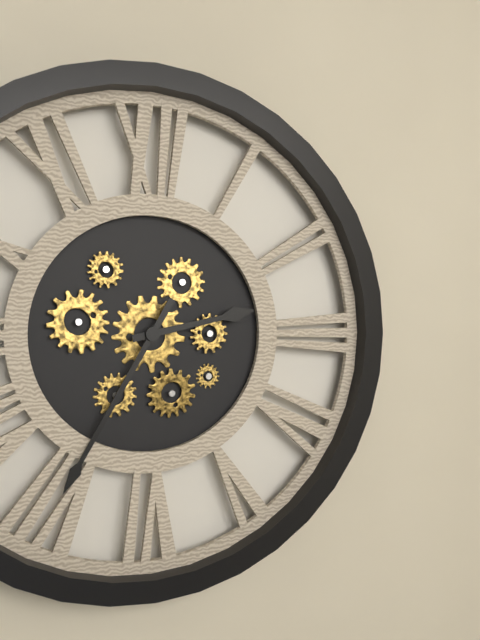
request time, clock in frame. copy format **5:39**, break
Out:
**2:35**
